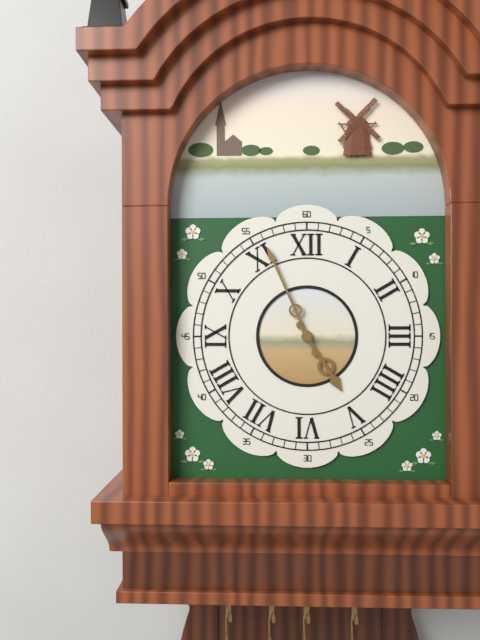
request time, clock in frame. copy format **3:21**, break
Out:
**4:56**
